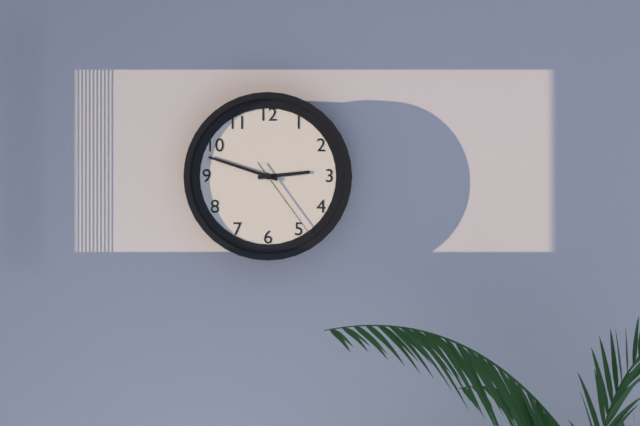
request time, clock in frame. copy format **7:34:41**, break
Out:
**2:48:24**
